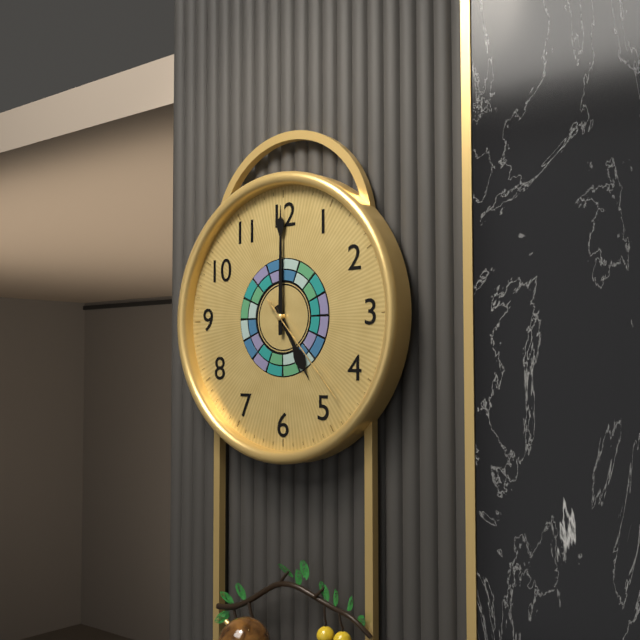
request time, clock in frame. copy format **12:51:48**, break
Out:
**5:00:23**
